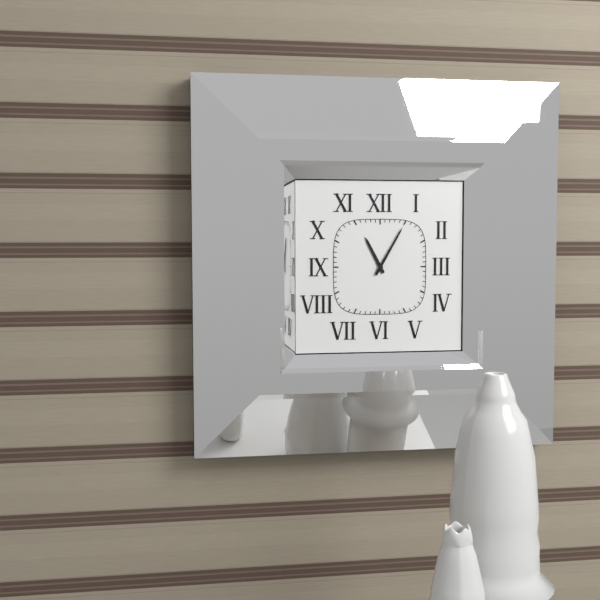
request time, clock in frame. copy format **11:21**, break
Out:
**11:05**
